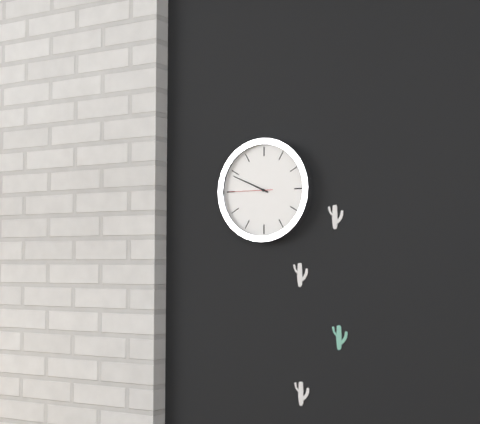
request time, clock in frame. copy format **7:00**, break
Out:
**9:49**
